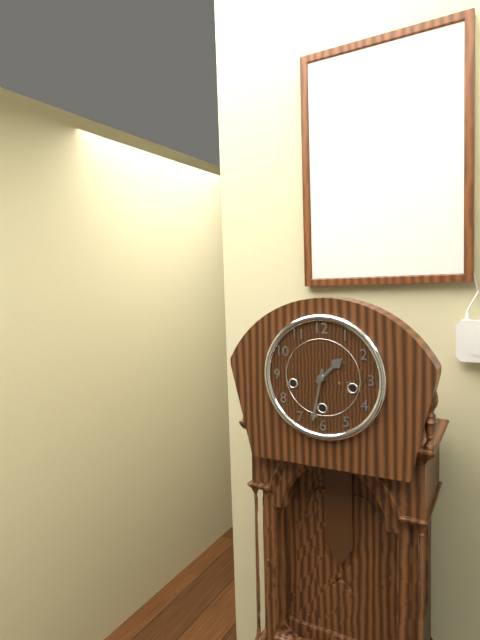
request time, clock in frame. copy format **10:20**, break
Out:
**1:32**
